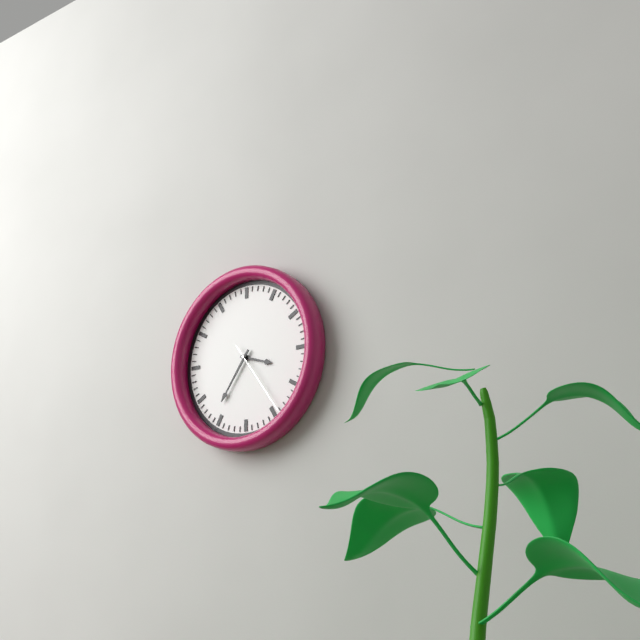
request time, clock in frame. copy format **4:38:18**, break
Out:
**3:36:24**
